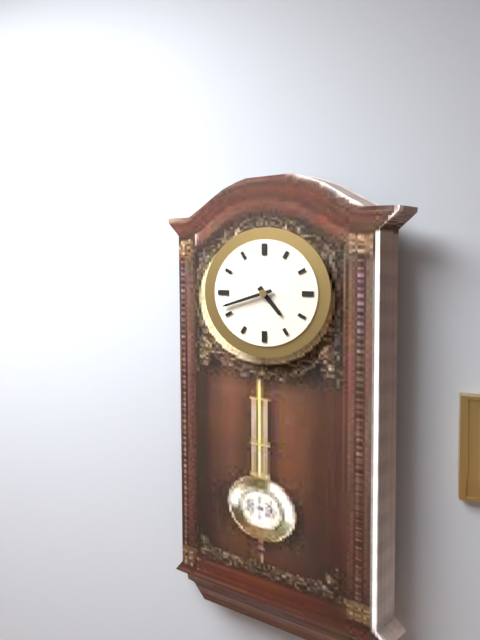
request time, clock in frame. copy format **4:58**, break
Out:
**4:42**
